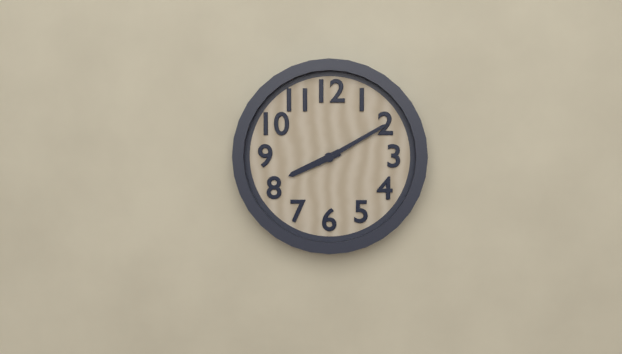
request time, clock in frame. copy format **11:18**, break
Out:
**8:10**
